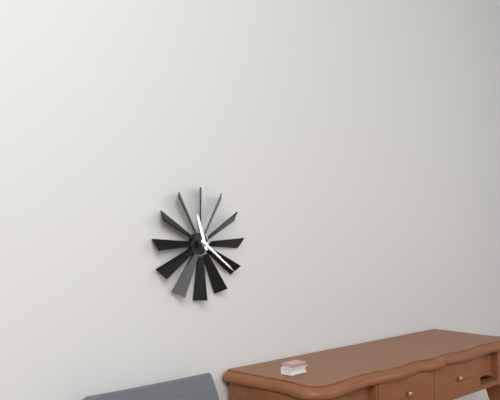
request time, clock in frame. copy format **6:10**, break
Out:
**11:21**
